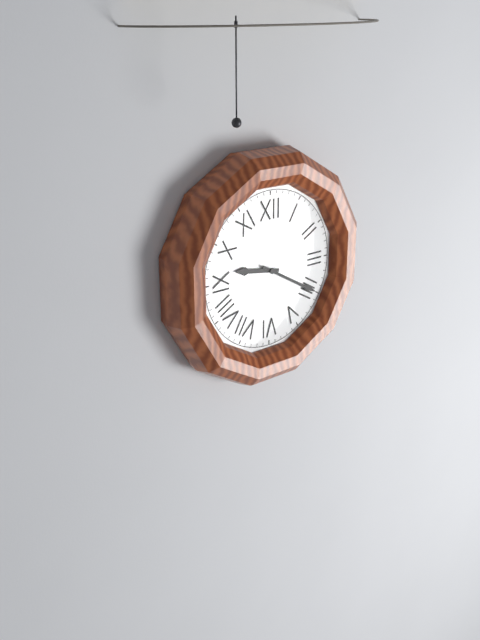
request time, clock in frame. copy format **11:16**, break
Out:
**9:20**
